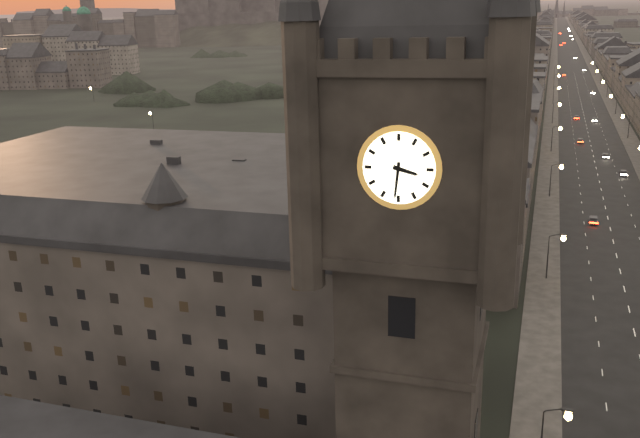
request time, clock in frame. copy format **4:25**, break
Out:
**3:31**
